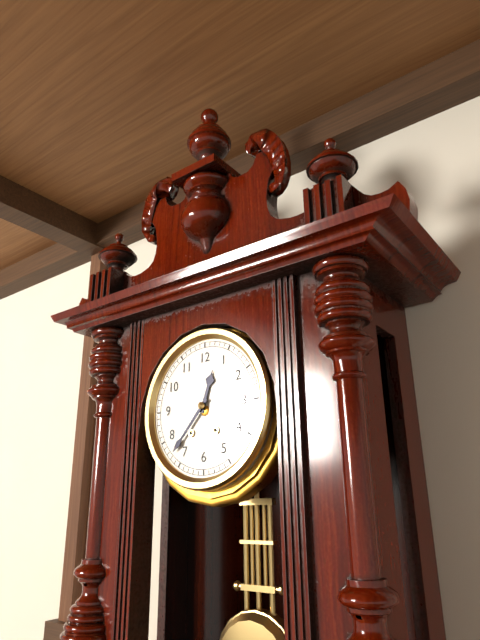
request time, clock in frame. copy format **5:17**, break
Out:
**12:37**
